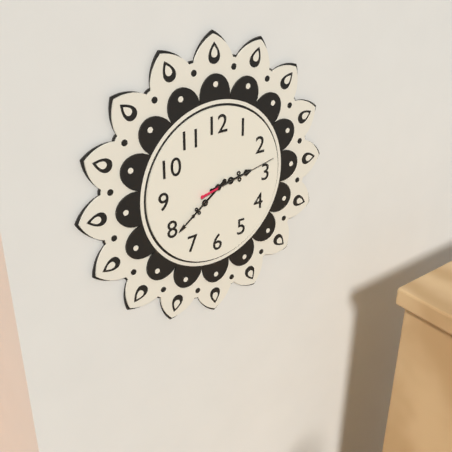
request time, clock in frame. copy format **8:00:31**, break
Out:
**2:39:13**
